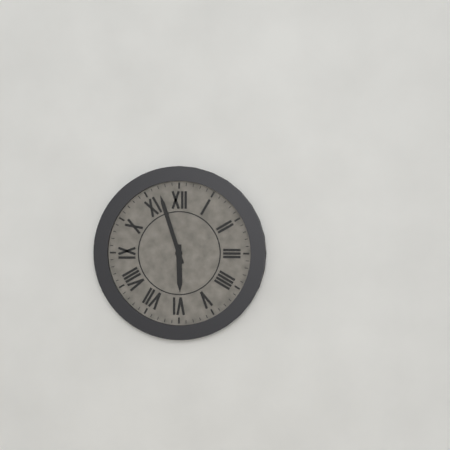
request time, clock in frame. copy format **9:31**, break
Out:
**5:57**
